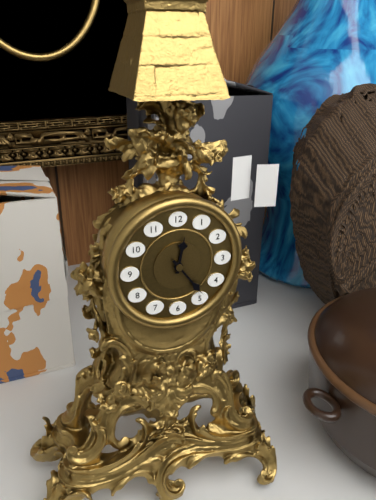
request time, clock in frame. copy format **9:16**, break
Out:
**12:24**
